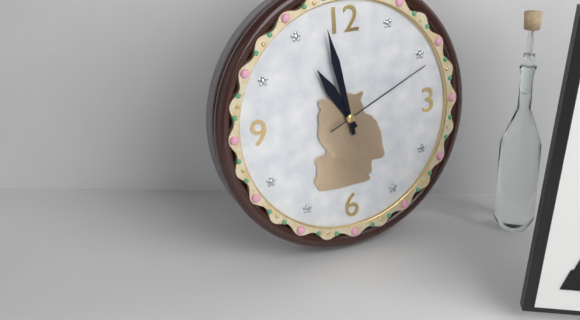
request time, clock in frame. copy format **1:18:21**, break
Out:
**10:58:11**
